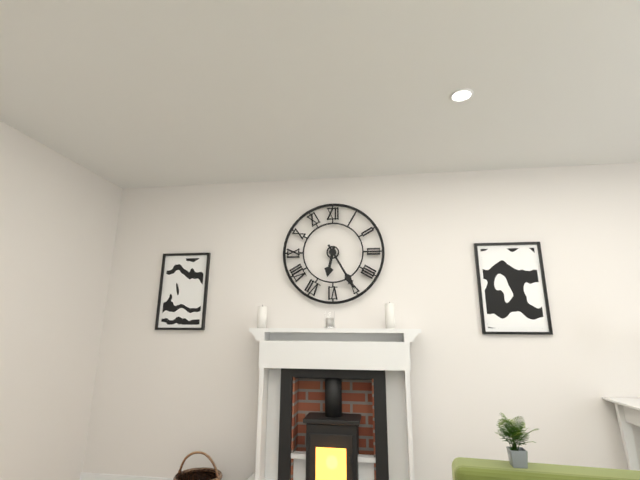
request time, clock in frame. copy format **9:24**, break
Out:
**6:25**
